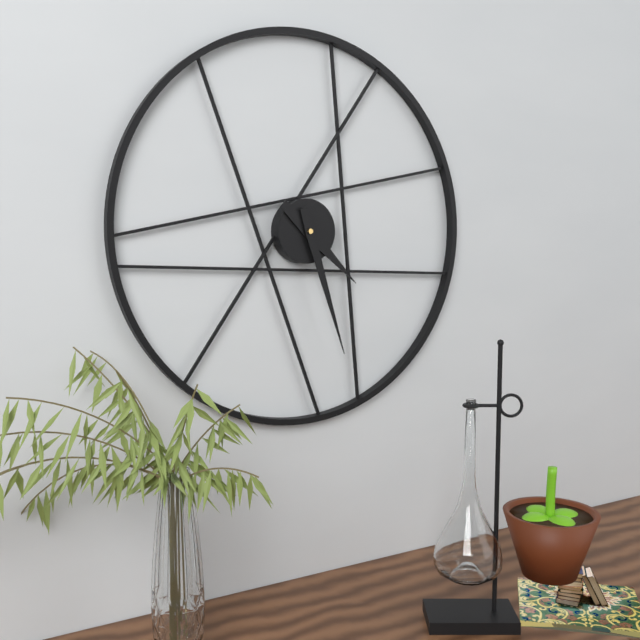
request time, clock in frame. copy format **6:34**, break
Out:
**4:27**
